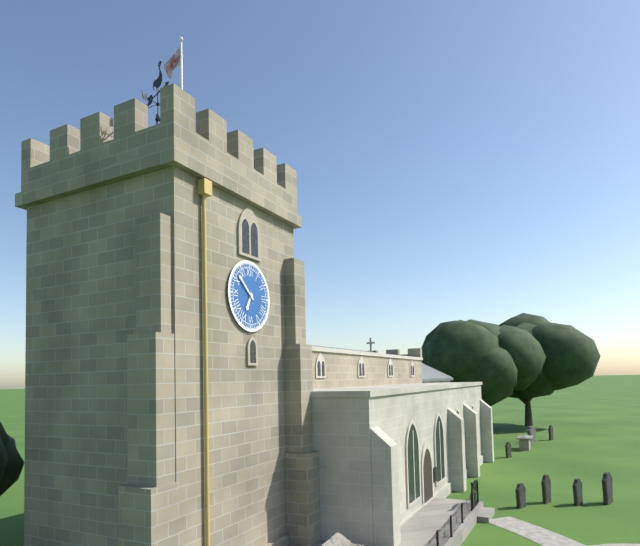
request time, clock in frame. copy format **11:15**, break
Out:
**6:52**
